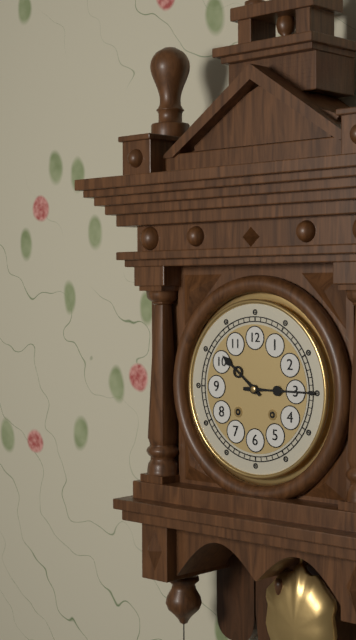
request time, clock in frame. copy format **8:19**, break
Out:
**10:15**
